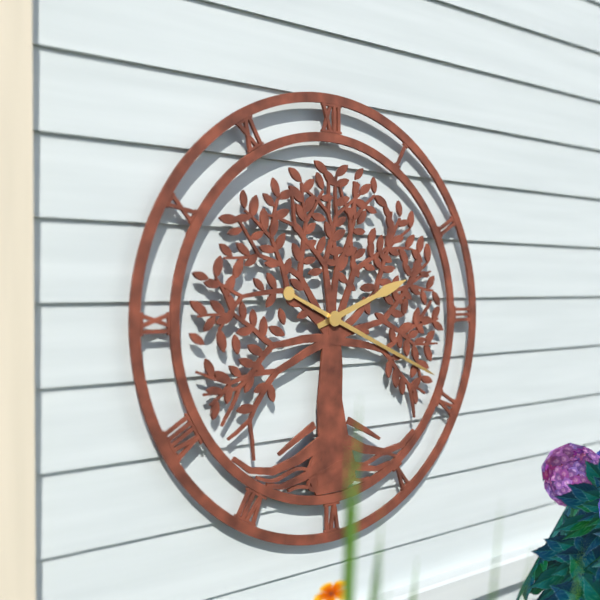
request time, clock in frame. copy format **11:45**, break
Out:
**2:19**
